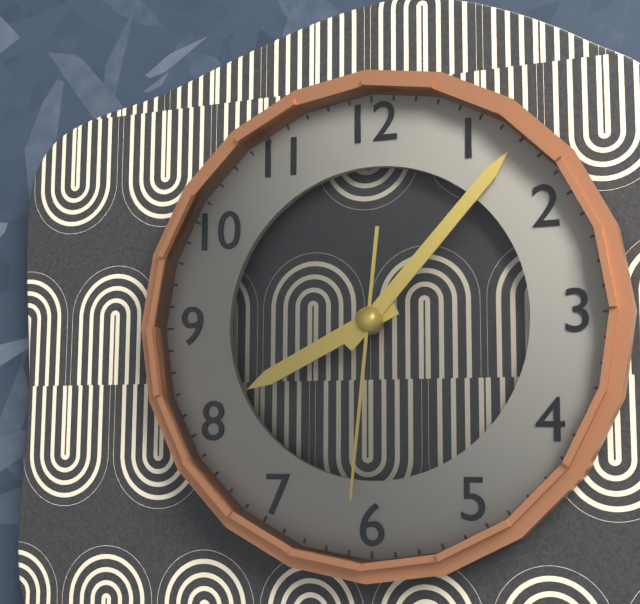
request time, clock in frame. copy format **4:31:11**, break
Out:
**8:07:31**
